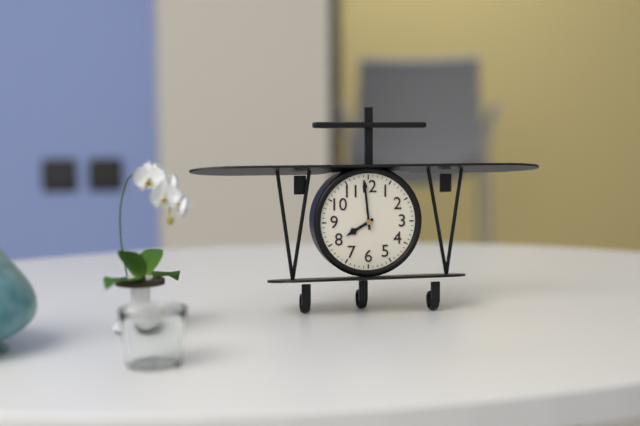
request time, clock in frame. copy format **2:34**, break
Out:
**7:59**
